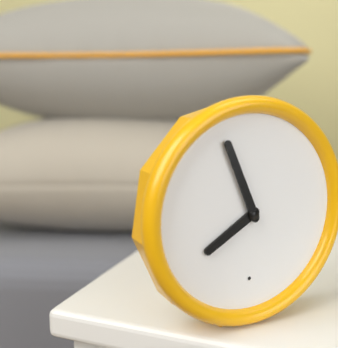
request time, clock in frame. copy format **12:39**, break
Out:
**7:56**
